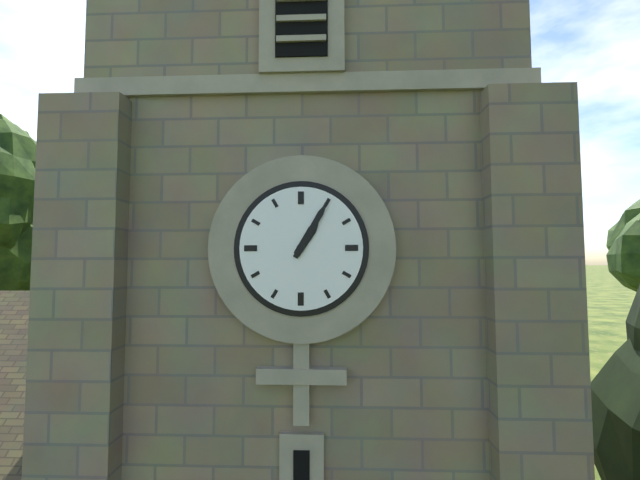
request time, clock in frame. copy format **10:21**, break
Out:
**1:05**
